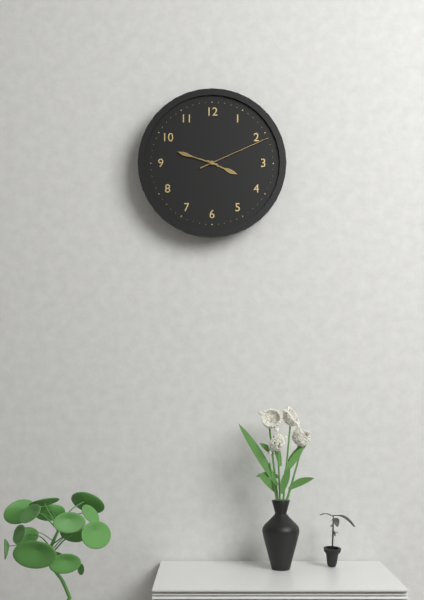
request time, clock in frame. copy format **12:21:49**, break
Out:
**3:48:11**
